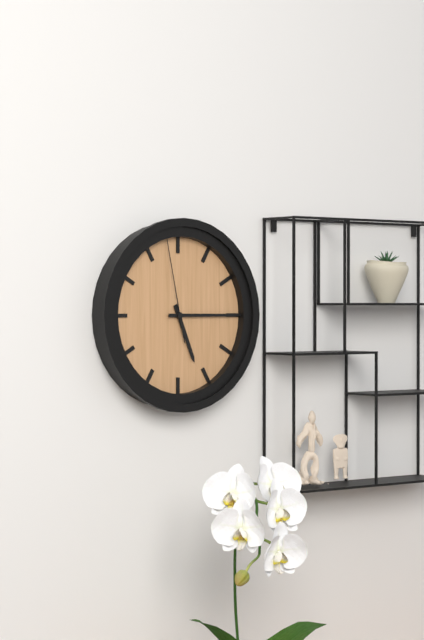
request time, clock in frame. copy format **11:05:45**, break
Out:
**5:15:58**
